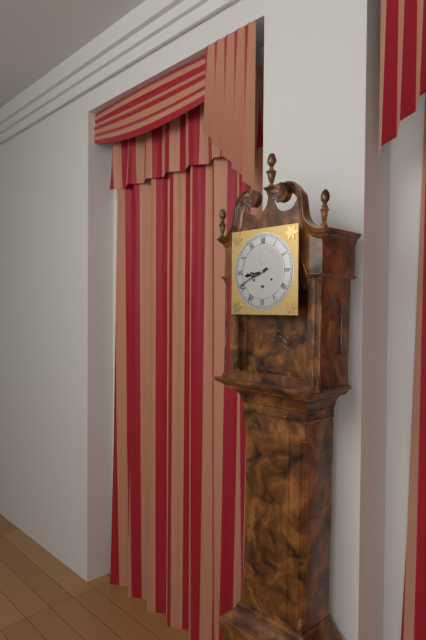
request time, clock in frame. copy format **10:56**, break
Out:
**8:41**
